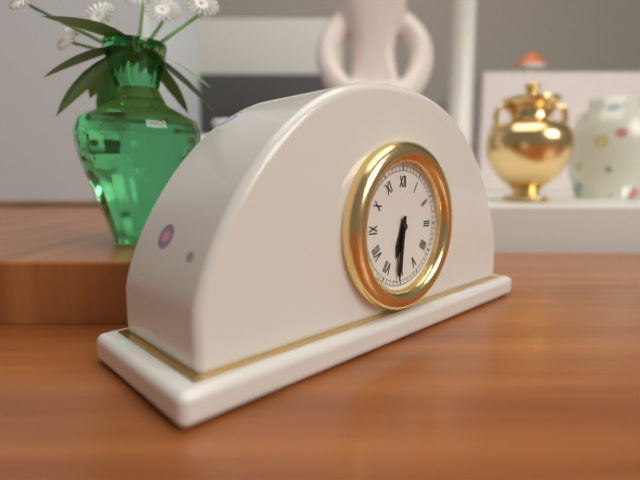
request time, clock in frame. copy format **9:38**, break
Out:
**6:31**
